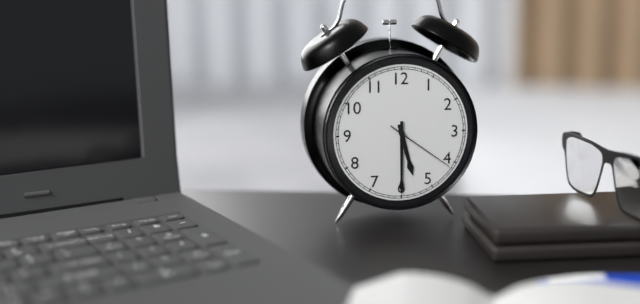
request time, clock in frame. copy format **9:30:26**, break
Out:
**5:30:21**
